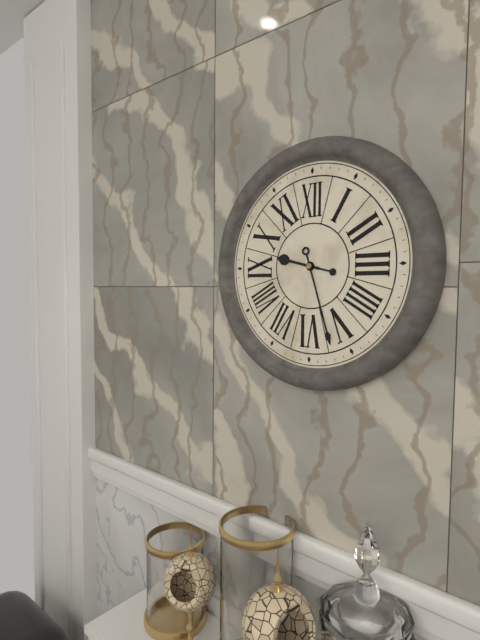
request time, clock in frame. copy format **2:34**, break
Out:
**9:27**
